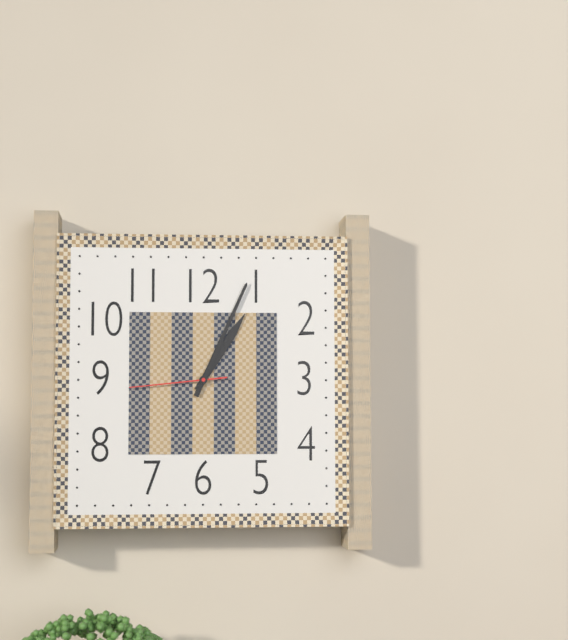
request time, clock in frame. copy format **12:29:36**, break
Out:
**1:04:44**
